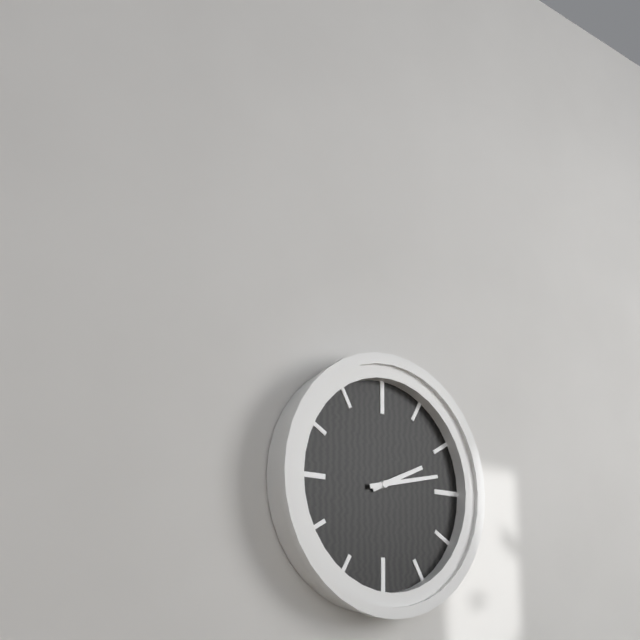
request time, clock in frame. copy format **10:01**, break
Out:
**2:13**
